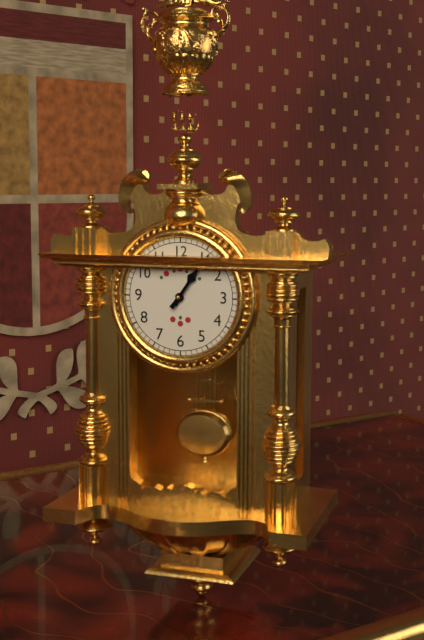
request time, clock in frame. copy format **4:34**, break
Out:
**1:06**
